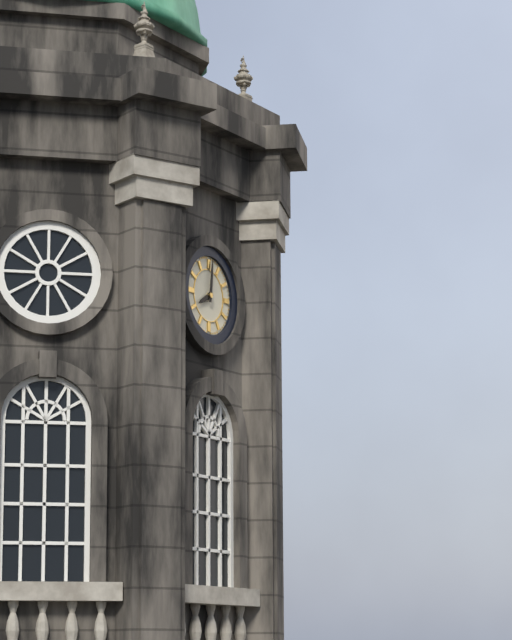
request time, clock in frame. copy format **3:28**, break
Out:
**8:01**
